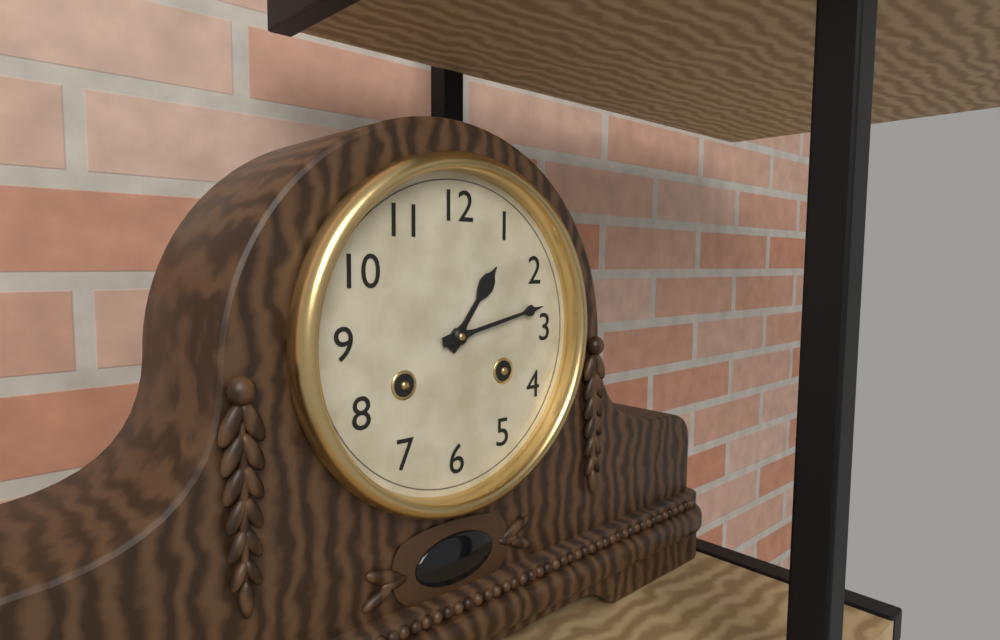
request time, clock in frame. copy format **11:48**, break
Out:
**1:13**
